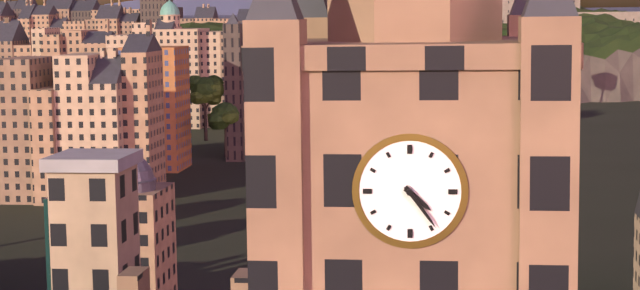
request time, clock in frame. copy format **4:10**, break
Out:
**4:24**
